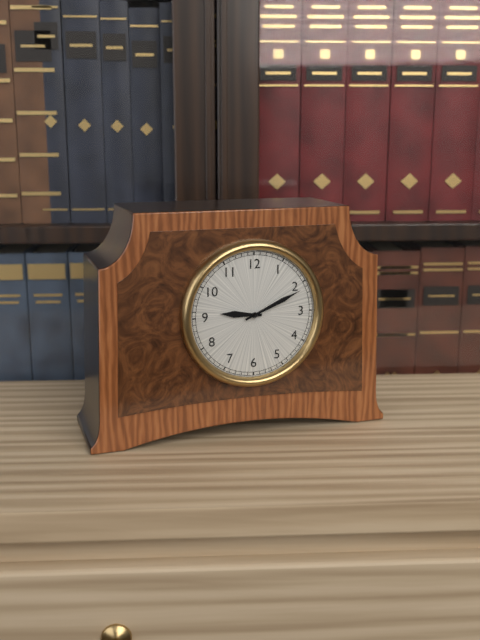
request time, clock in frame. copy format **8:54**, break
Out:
**9:11**
